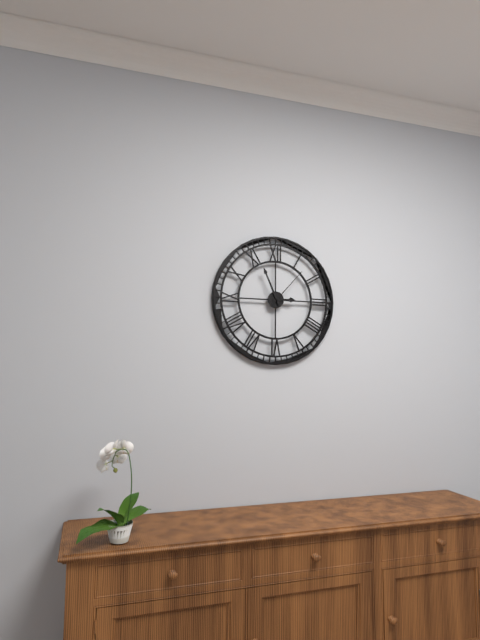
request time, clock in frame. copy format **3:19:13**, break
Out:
**2:56:07**
